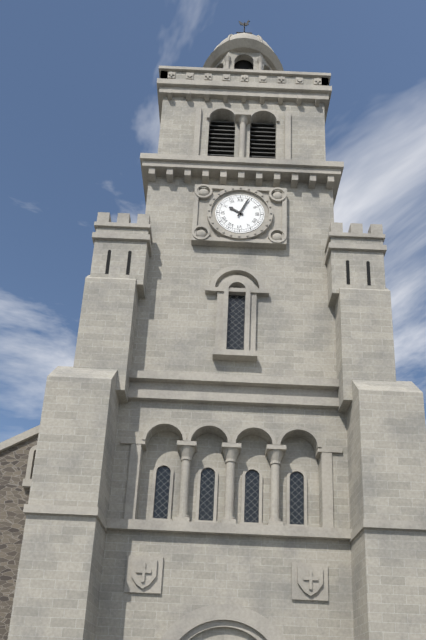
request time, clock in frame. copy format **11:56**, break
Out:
**10:04**
